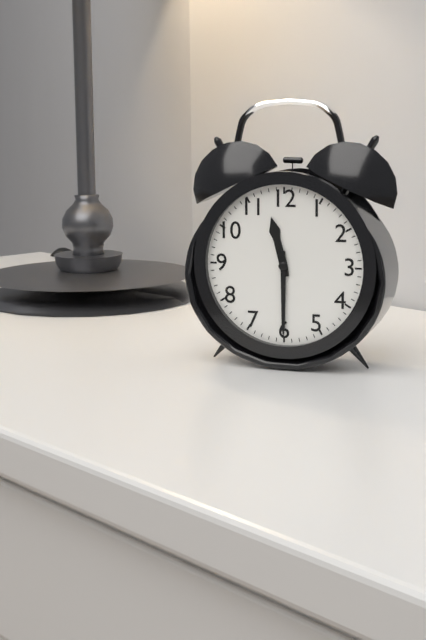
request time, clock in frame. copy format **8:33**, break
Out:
**11:30**
